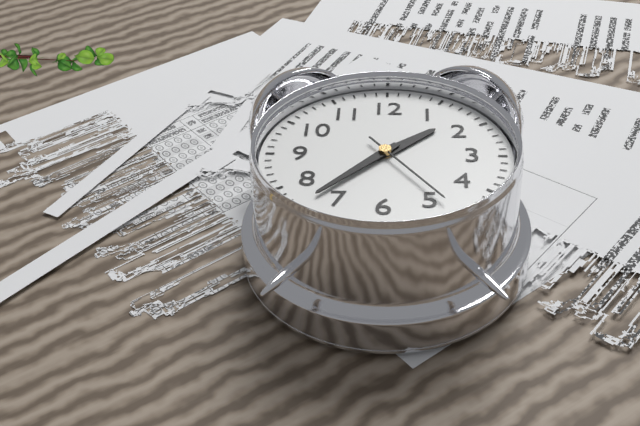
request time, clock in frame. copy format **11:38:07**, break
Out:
**1:37:24**
